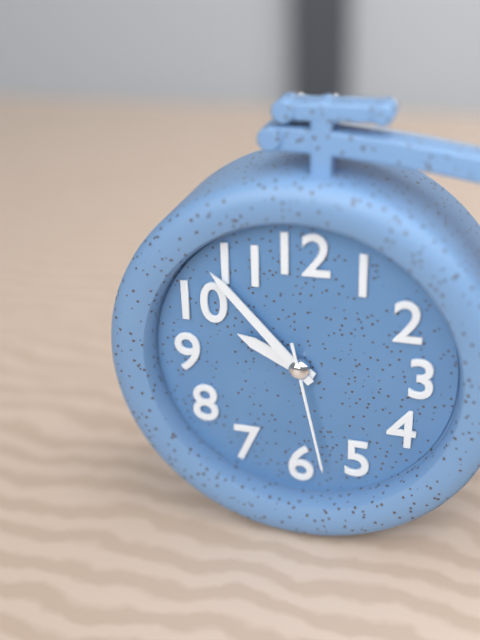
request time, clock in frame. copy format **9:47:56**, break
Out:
**9:53:28**
